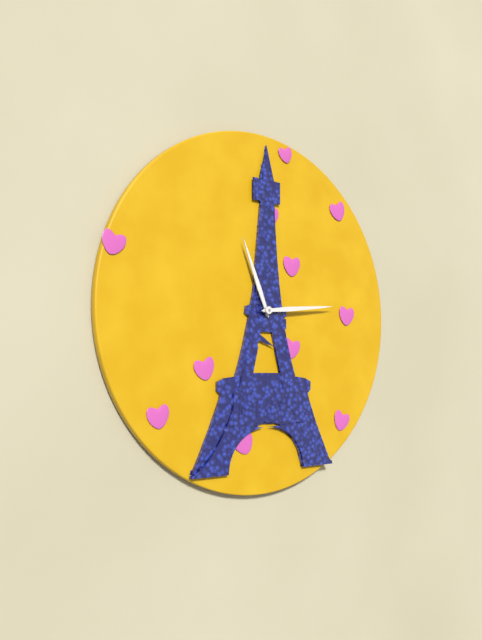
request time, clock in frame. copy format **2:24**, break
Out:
**11:14**
